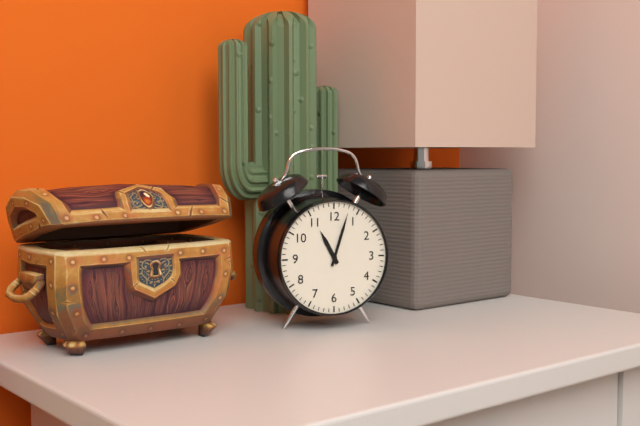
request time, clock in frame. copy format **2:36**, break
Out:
**11:03**
